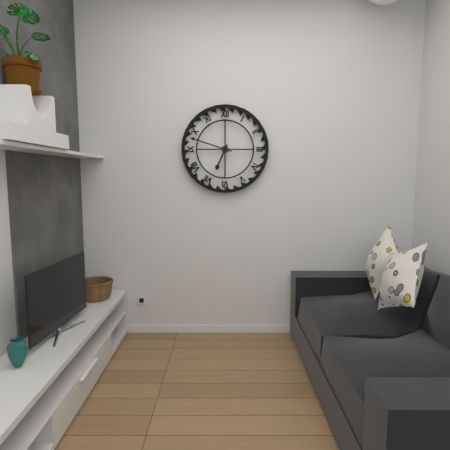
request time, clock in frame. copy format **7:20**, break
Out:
**6:48**
